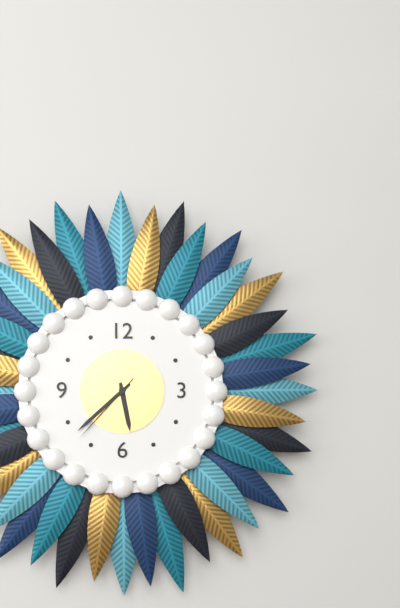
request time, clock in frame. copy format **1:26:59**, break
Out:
**5:38:37**
